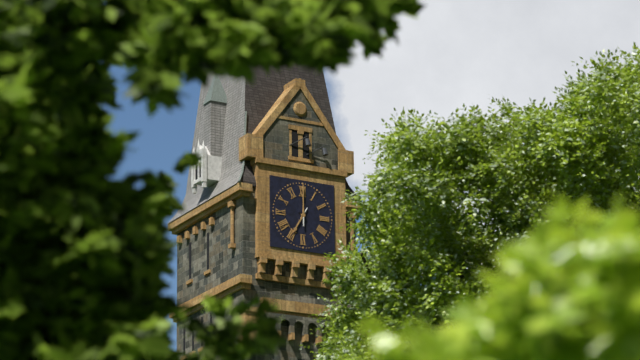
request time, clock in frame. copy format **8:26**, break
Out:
**7:00**
